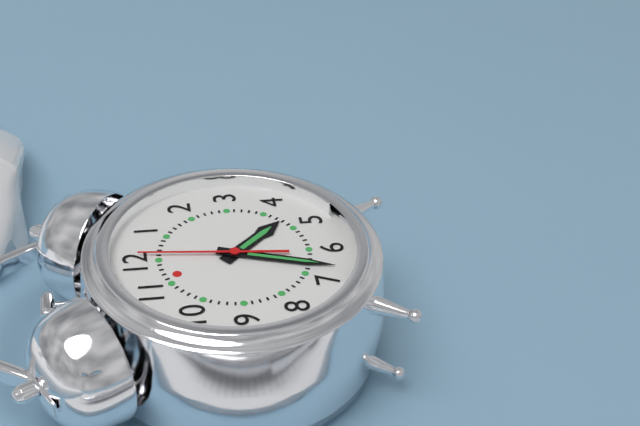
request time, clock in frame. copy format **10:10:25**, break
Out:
**4:33:01**
